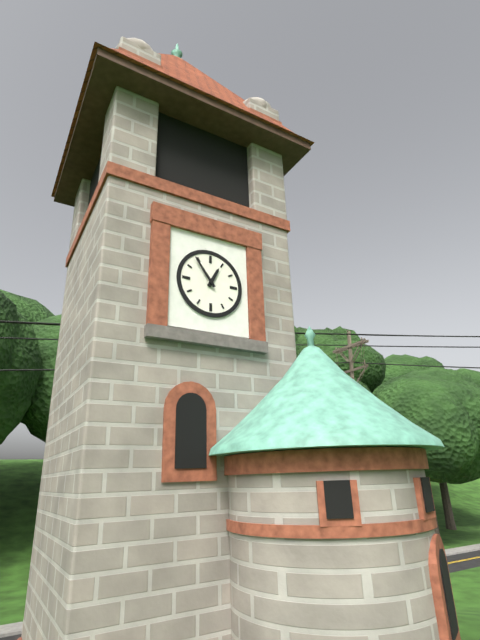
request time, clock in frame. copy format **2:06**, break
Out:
**12:54**
